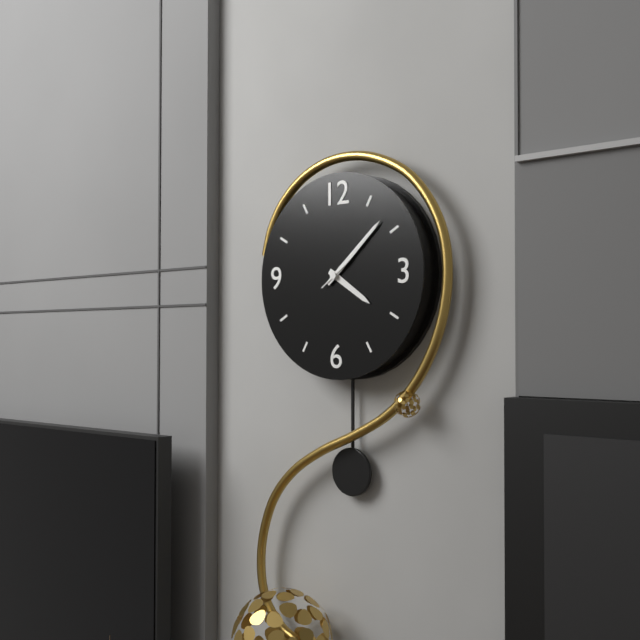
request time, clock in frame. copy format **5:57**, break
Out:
**4:08**
